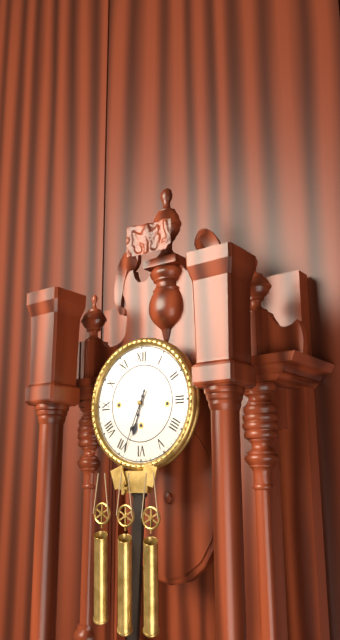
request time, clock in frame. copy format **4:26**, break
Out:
**6:34**
